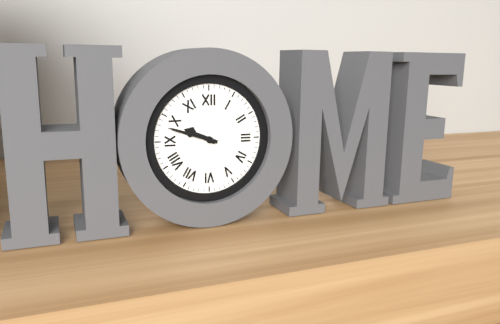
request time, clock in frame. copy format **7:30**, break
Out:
**9:48**
